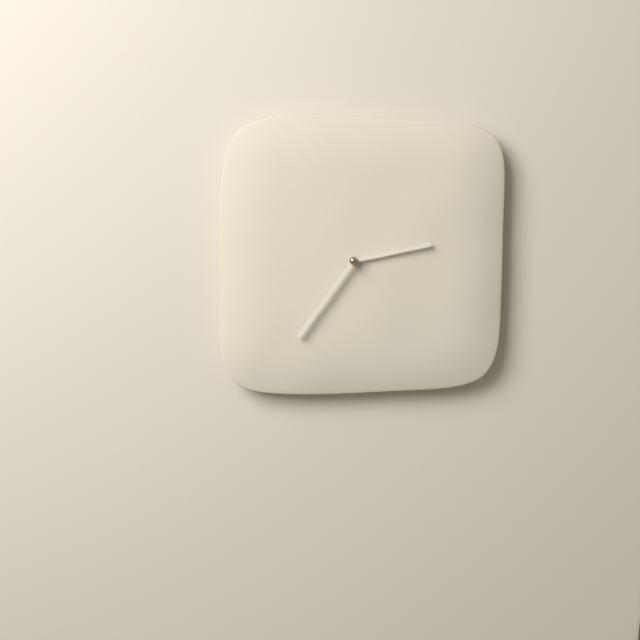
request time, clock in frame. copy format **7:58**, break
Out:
**2:36**
